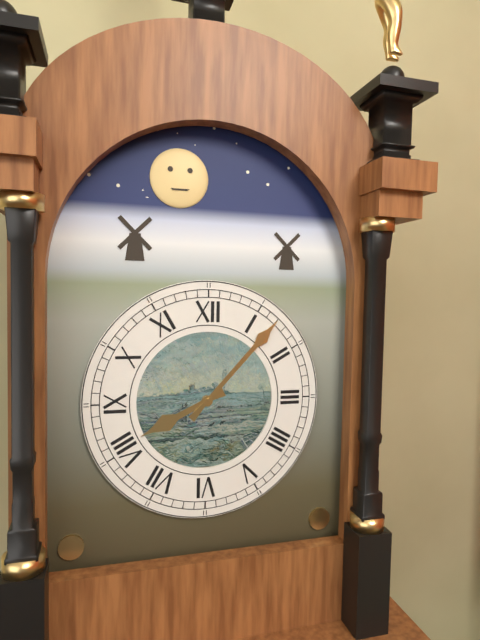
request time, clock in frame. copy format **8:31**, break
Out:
**8:07**
